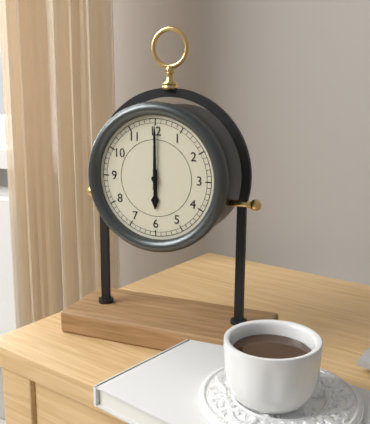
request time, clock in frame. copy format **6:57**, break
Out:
**6:00**
